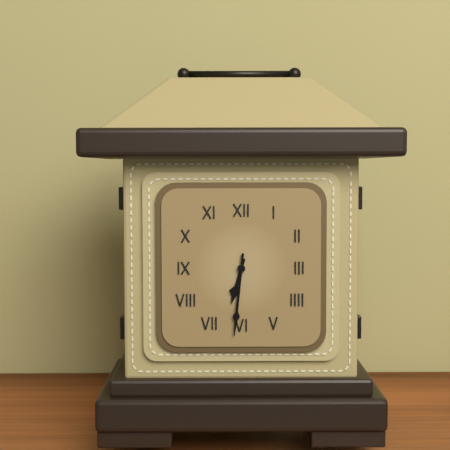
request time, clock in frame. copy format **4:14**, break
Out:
**6:31**
